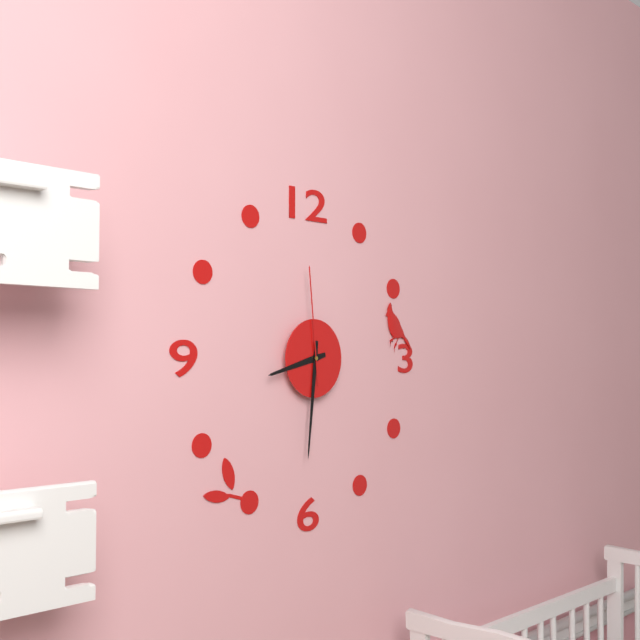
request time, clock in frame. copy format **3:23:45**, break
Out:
**8:31:59**
